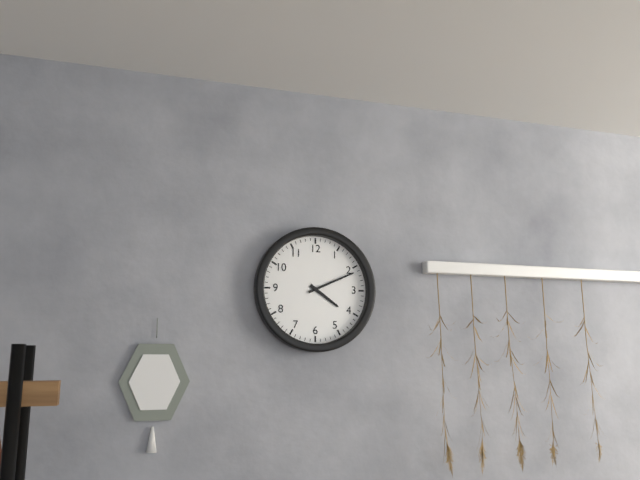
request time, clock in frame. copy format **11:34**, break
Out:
**4:11**
